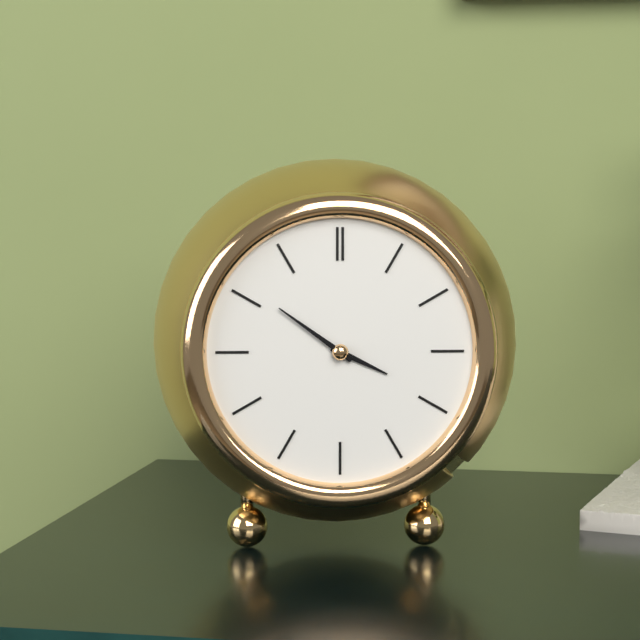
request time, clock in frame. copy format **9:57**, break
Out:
**3:51**
